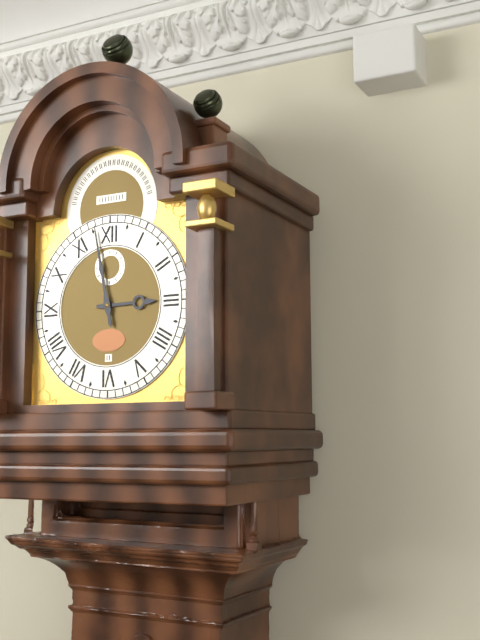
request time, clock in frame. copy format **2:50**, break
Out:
**2:58**
